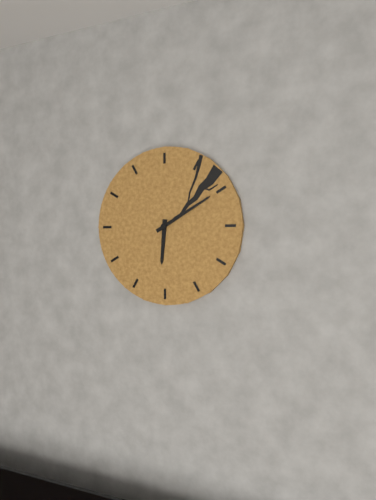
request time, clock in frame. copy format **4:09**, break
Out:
**6:10**
